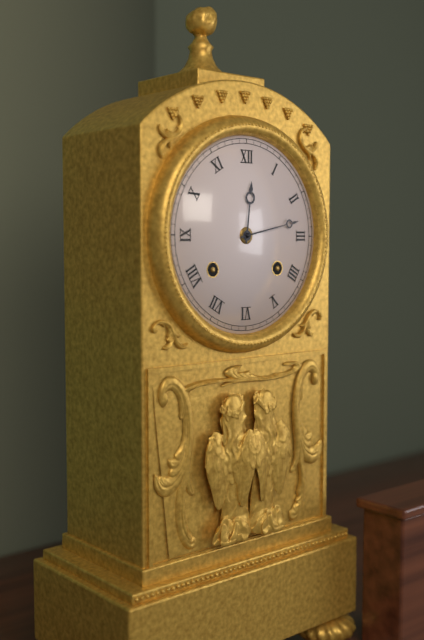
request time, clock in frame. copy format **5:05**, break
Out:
**12:13**
